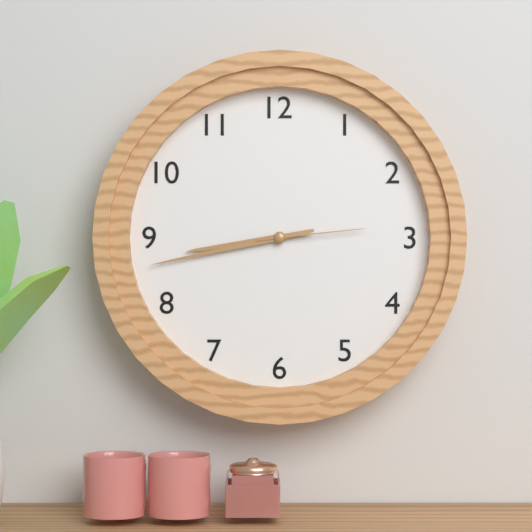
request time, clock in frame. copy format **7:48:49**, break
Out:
**8:43:14**
